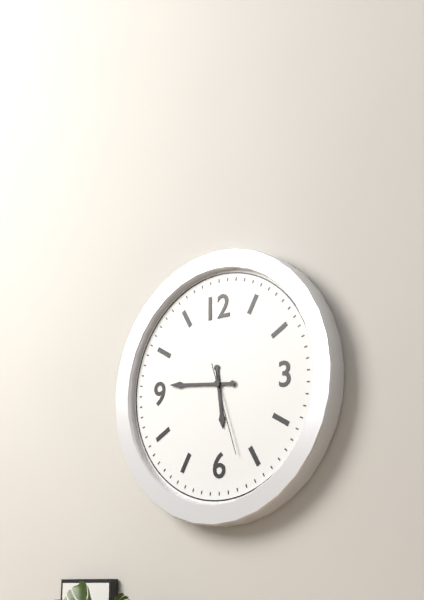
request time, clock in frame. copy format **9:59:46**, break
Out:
**5:46:27**
